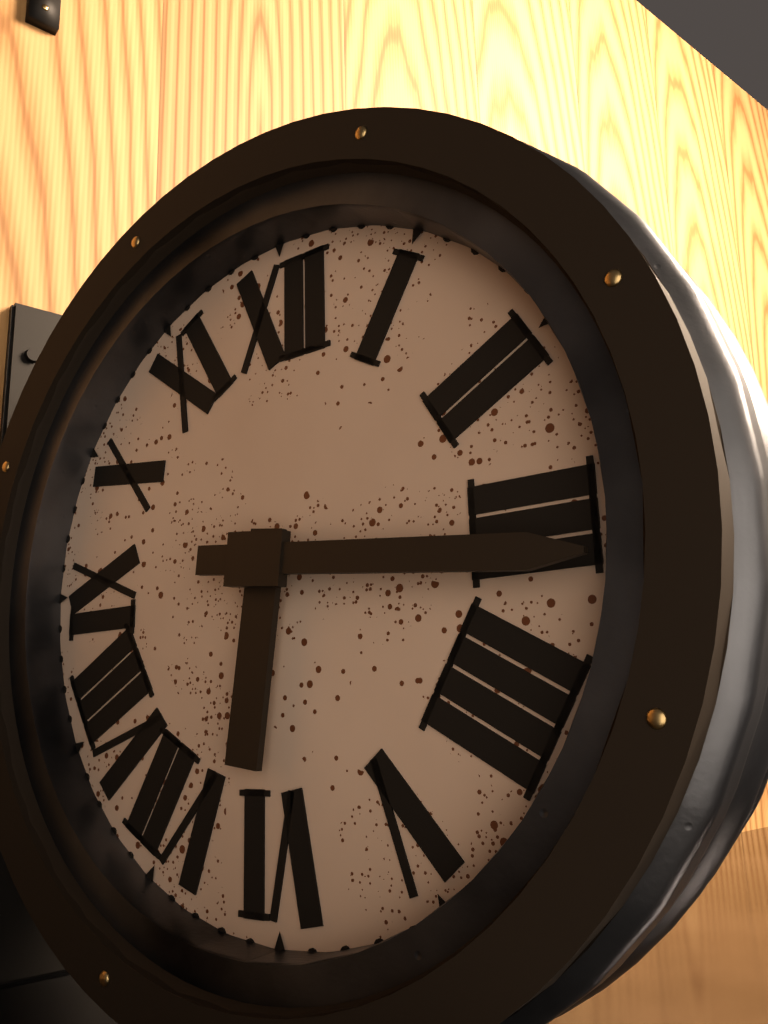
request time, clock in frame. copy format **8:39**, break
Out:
**6:16**
